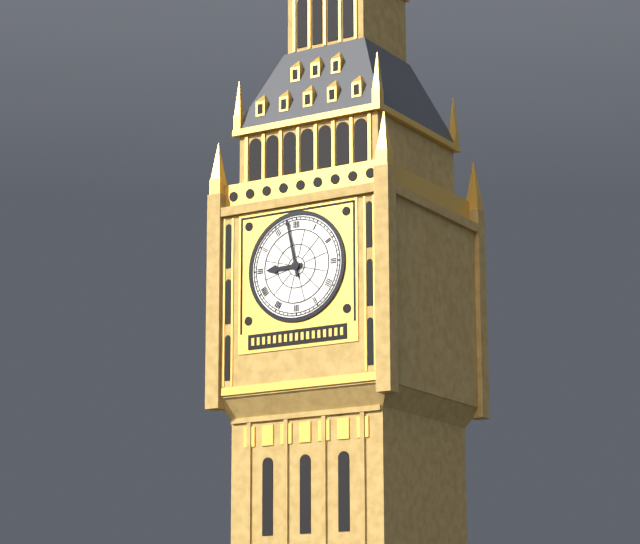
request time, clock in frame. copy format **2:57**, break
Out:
**8:58**
